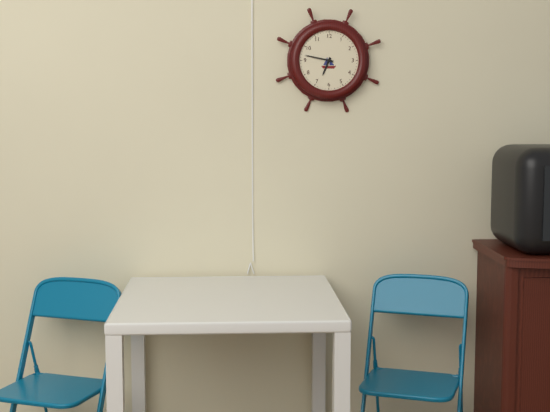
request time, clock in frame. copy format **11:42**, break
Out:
**6:47**
